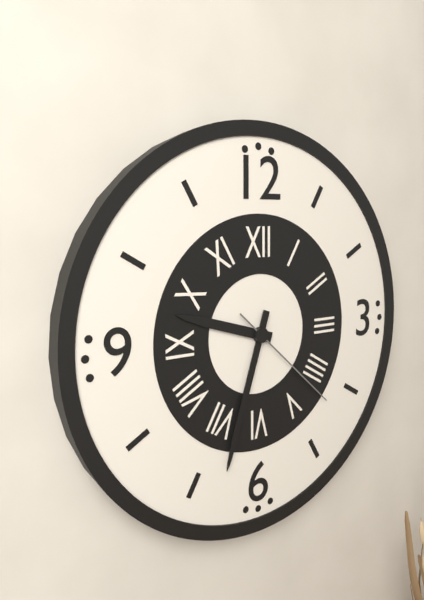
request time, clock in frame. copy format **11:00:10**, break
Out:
**9:33:22**
